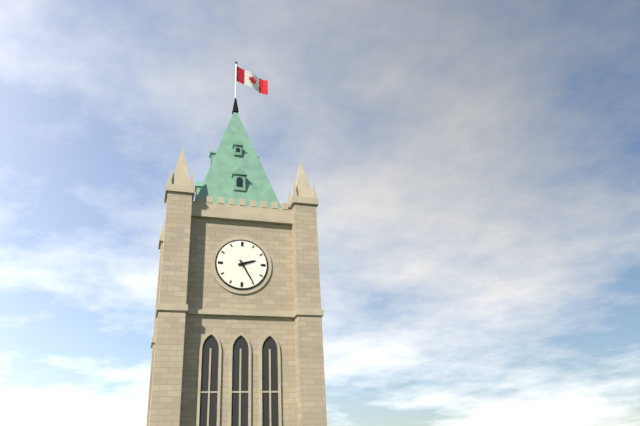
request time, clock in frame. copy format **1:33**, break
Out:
**2:25**
